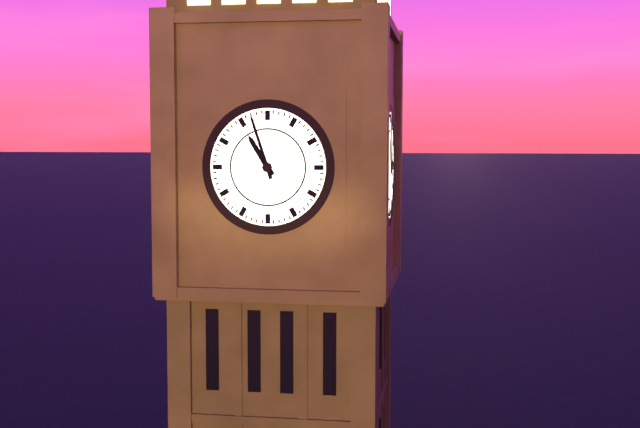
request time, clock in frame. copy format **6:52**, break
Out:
**10:57**
